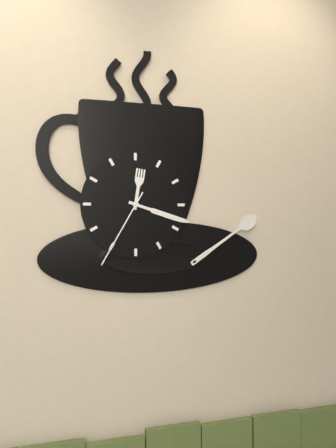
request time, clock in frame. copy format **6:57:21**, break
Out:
**12:18:35**
